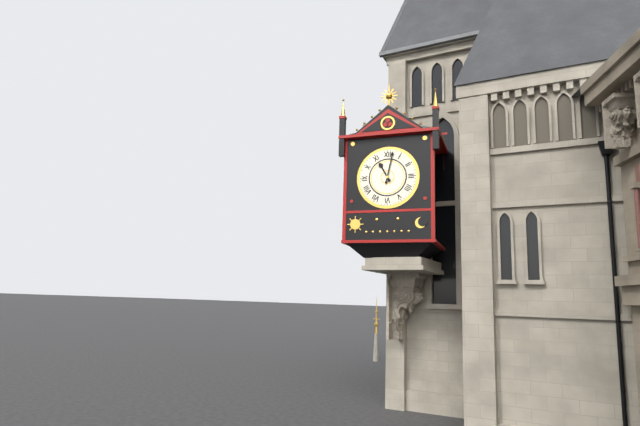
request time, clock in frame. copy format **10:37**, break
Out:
**11:02**
